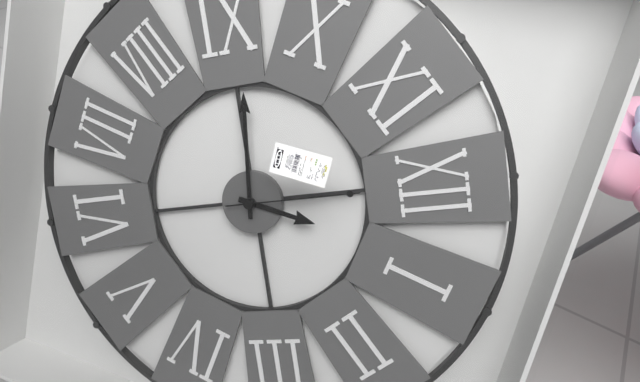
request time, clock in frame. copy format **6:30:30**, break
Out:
**12:46:00**
